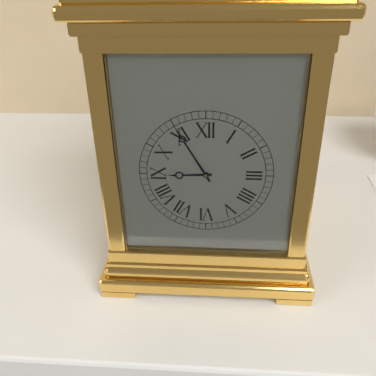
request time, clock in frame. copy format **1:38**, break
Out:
**8:55**
